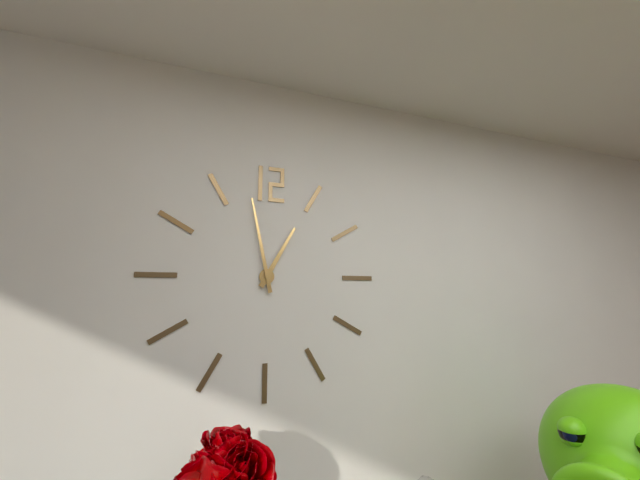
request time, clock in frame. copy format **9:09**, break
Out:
**12:58**
